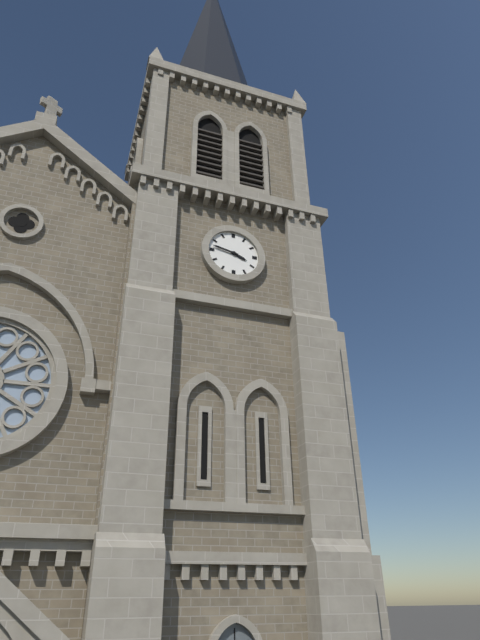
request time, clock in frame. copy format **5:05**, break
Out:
**3:47**
